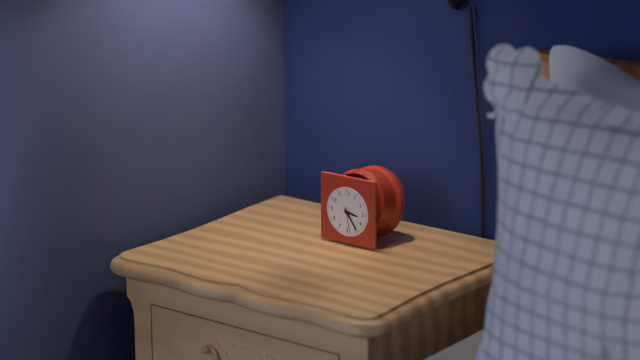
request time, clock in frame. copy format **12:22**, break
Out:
**3:24**
